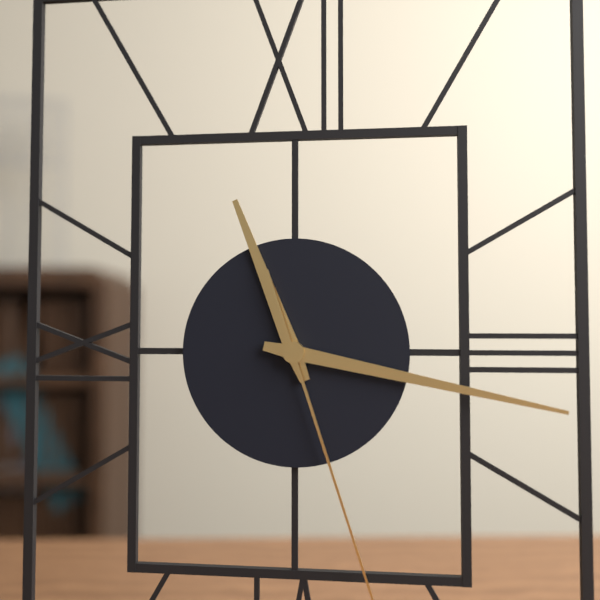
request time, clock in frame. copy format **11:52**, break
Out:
**11:17**
